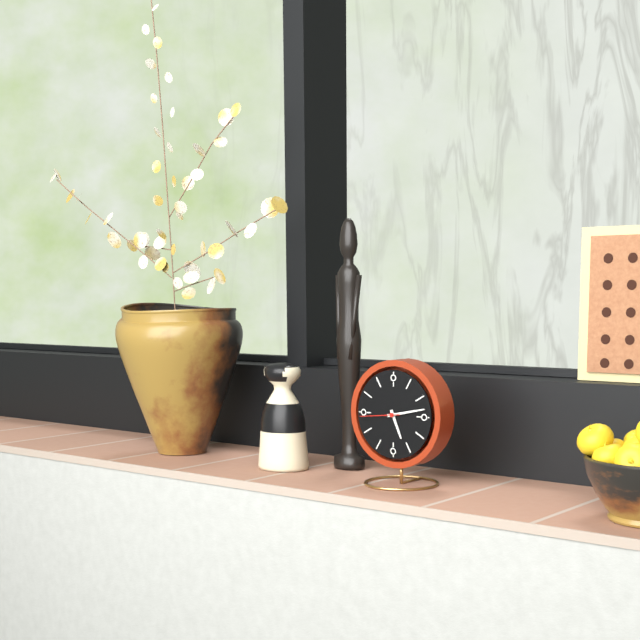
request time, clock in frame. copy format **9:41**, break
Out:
**5:13**
